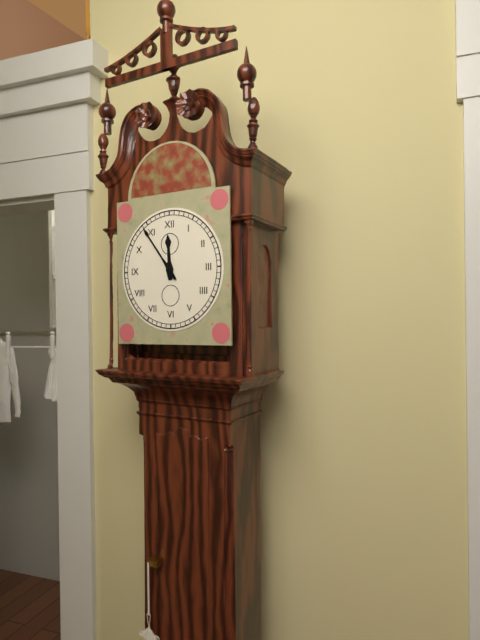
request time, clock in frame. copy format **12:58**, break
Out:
**11:54**
